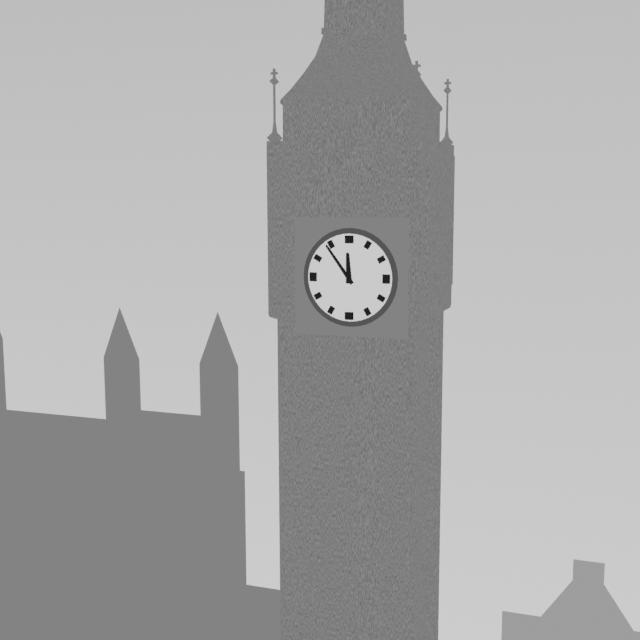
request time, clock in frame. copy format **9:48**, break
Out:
**11:54**
